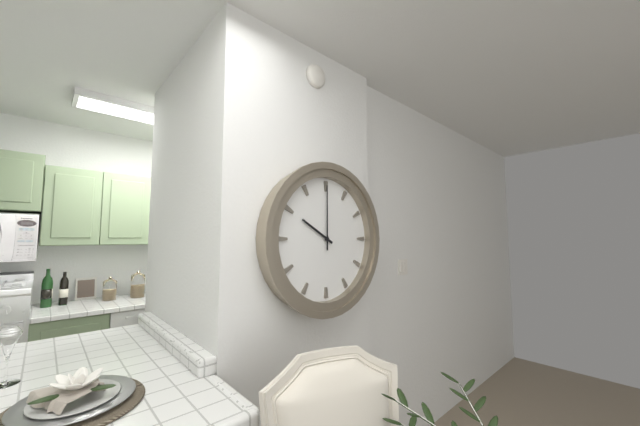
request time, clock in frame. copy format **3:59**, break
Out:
**10:00**
